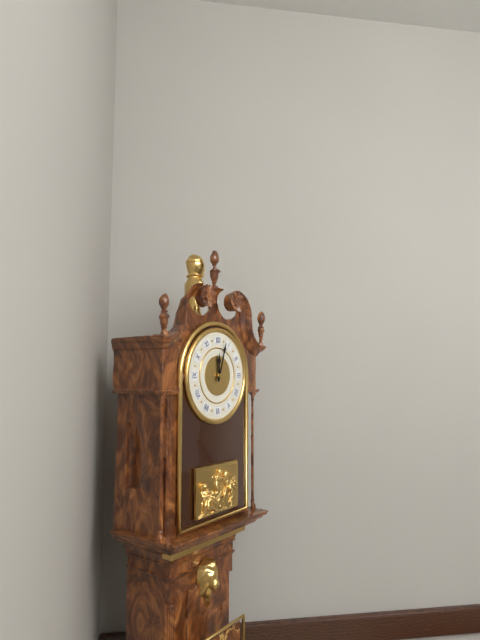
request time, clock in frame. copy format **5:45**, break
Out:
**12:03**
